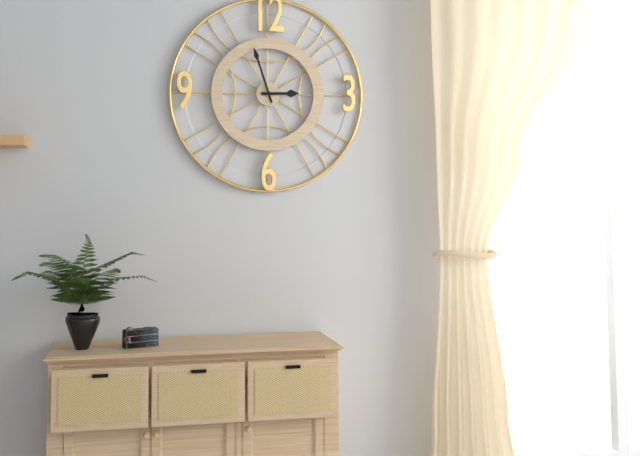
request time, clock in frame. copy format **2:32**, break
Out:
**2:57**
